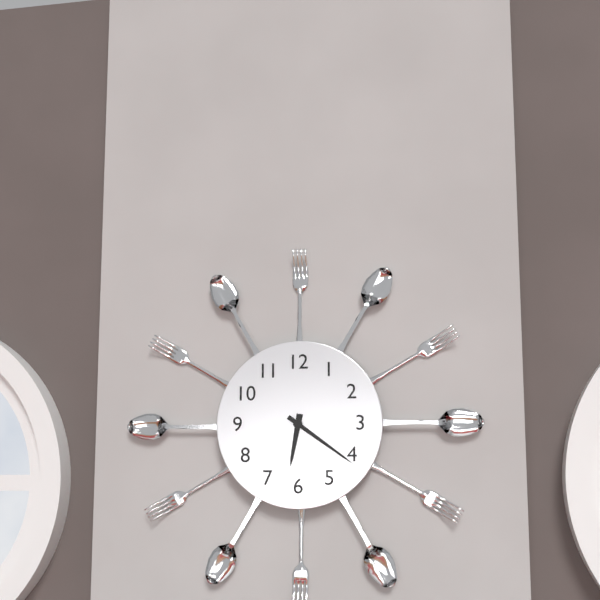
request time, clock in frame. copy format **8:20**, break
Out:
**6:21**
